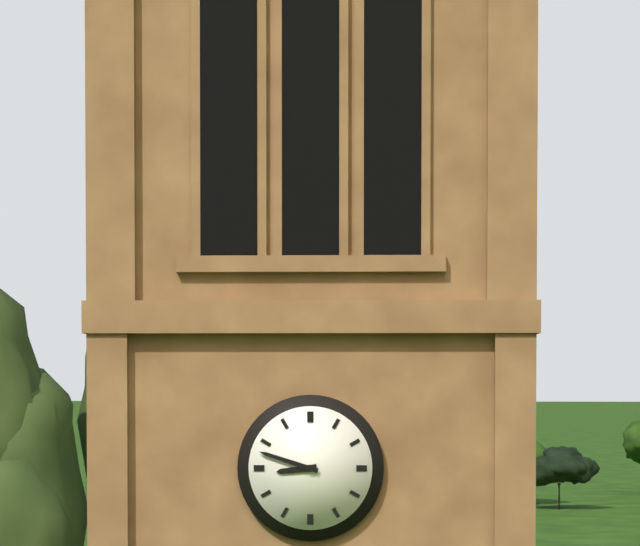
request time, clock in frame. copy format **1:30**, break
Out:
**8:48**
